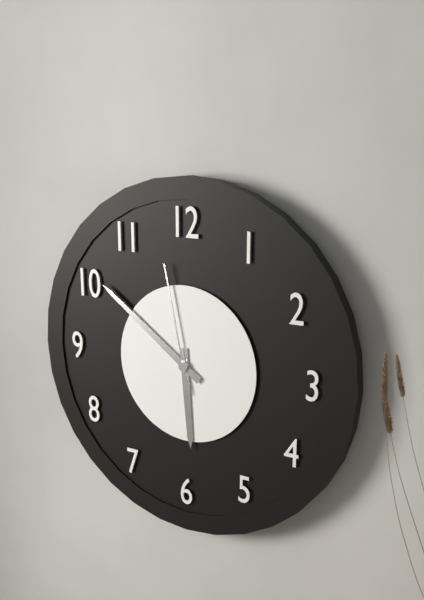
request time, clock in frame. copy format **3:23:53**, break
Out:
**5:51:58**
